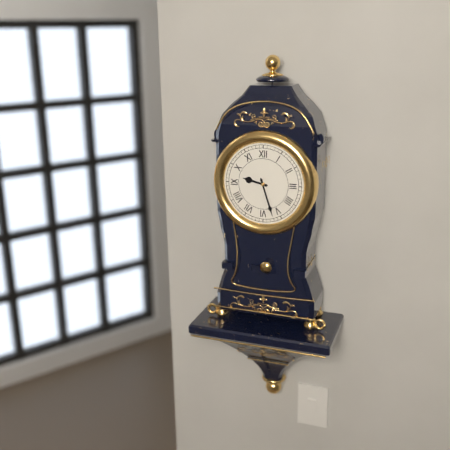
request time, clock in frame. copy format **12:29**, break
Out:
**9:27**
